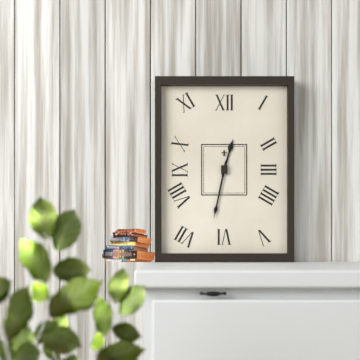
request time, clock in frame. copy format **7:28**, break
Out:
**12:32**
